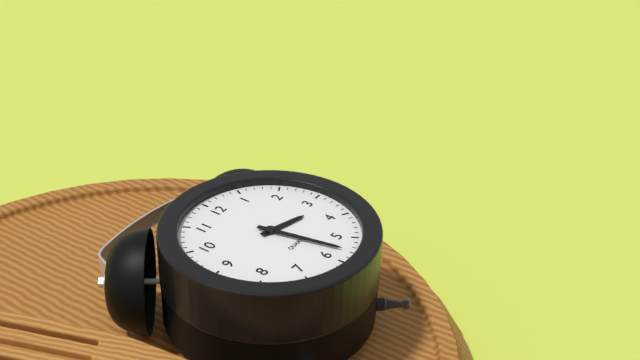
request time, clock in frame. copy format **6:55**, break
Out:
**3:28**
